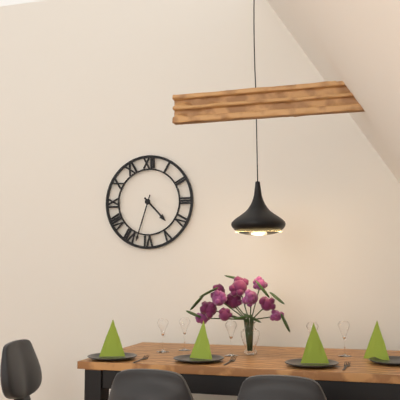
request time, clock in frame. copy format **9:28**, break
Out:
**4:33**
